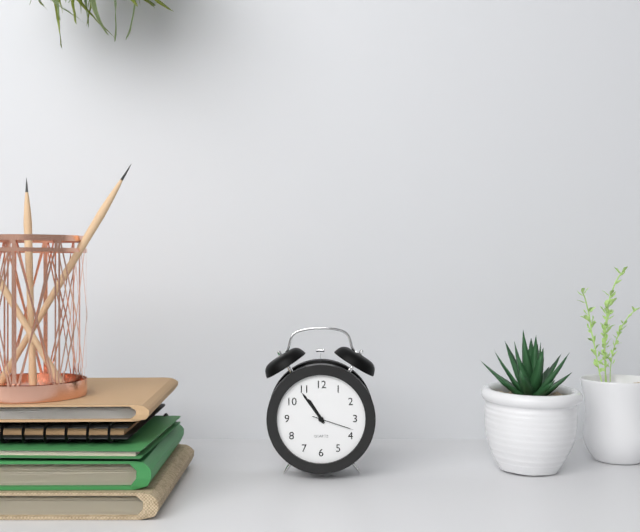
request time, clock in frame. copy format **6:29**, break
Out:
**10:54**
